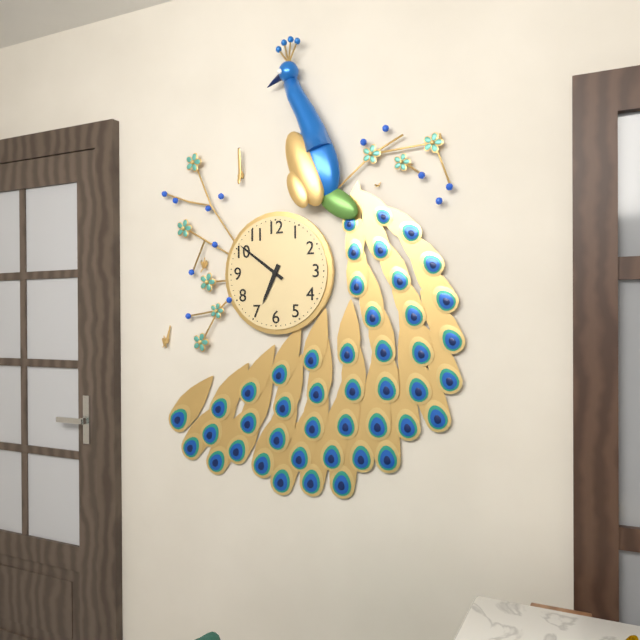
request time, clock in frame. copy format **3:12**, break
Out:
**6:51**
